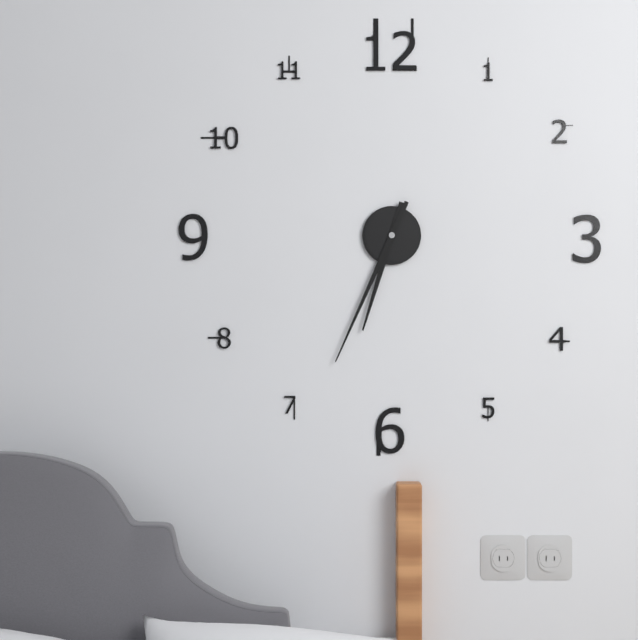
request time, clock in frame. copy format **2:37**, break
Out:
**6:34**
